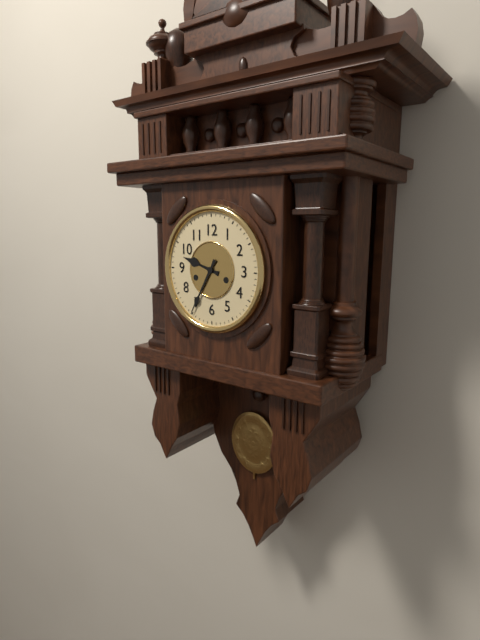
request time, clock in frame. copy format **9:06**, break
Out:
**9:35**
